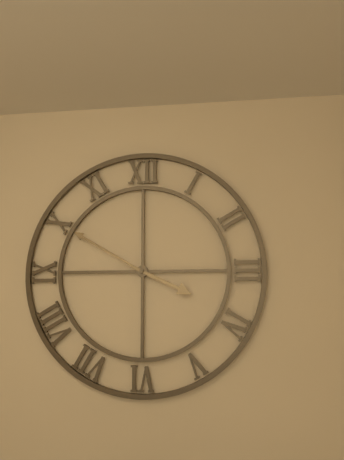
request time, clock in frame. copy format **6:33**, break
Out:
**3:50**
